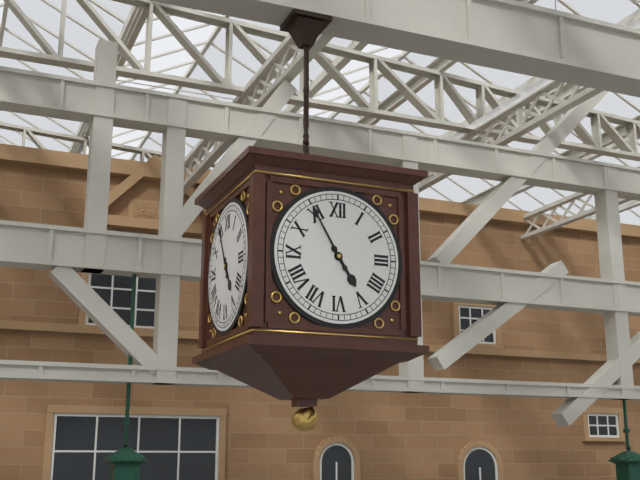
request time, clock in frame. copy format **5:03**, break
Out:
**4:55**
